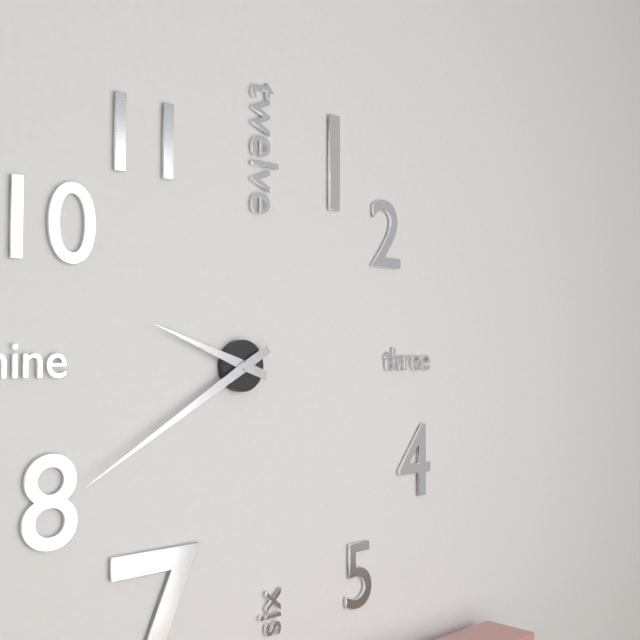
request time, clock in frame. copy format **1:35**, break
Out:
**9:40**
